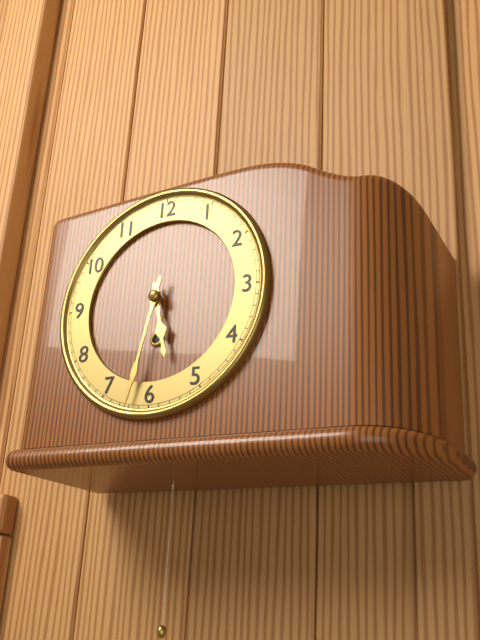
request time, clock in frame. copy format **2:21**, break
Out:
**5:32**
